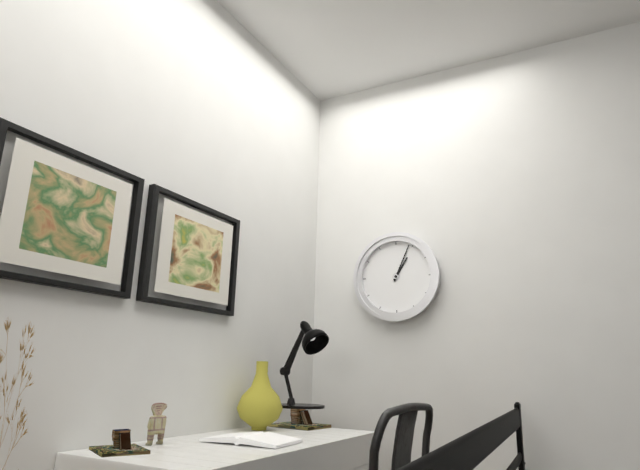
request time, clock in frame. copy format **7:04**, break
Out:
**1:04**
